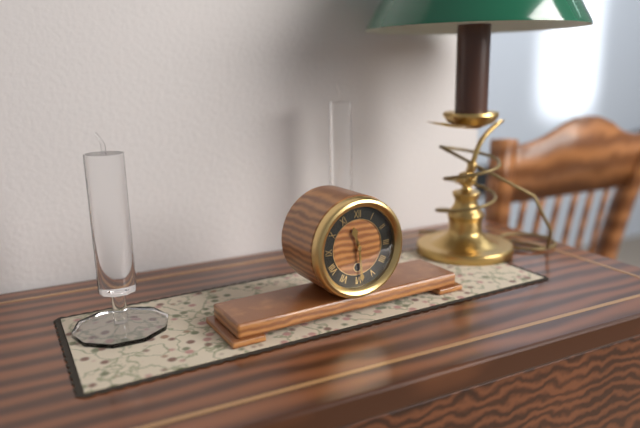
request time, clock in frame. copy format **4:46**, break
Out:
**11:29**
